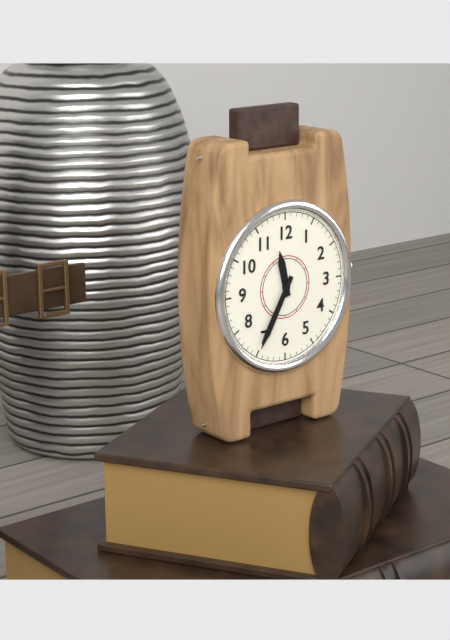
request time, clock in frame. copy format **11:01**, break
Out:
**11:35**
